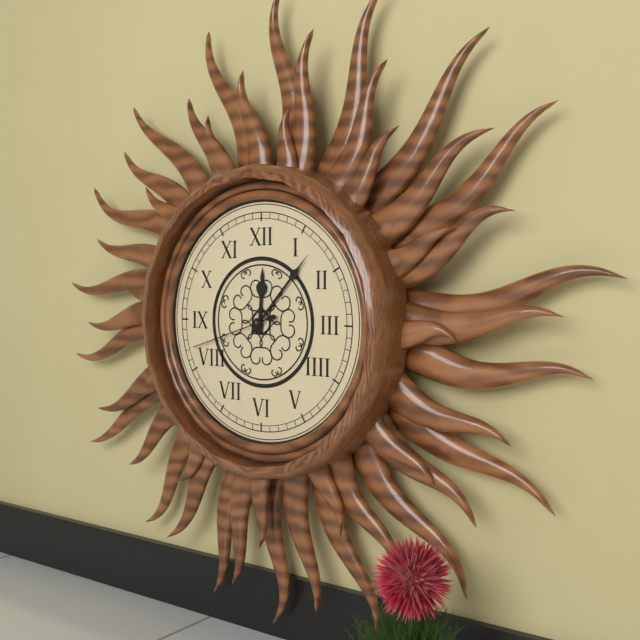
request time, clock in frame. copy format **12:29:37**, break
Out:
**12:07:42**
